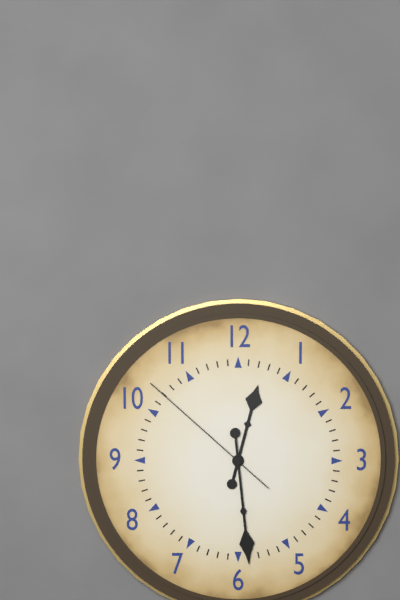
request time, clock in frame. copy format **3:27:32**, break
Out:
**12:29:52**
